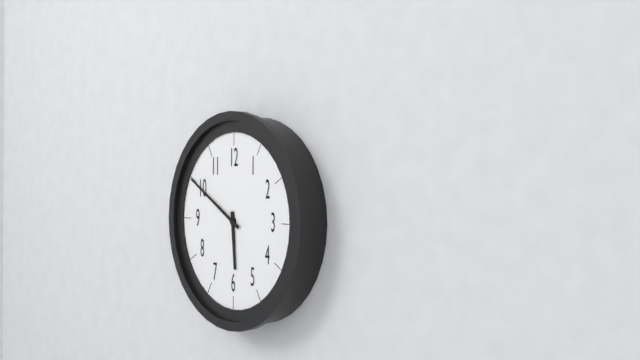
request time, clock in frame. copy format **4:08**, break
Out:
**5:50**
